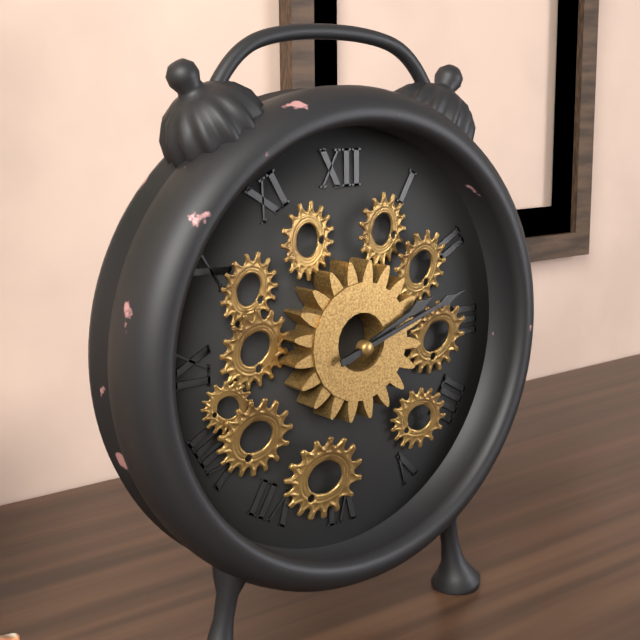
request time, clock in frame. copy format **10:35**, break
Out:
**2:12**
